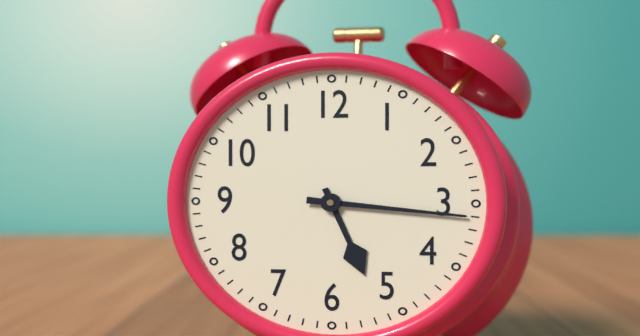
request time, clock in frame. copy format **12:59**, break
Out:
**5:16**
